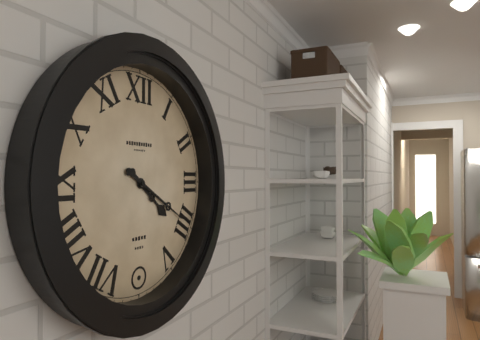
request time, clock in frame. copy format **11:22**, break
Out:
**4:20**
